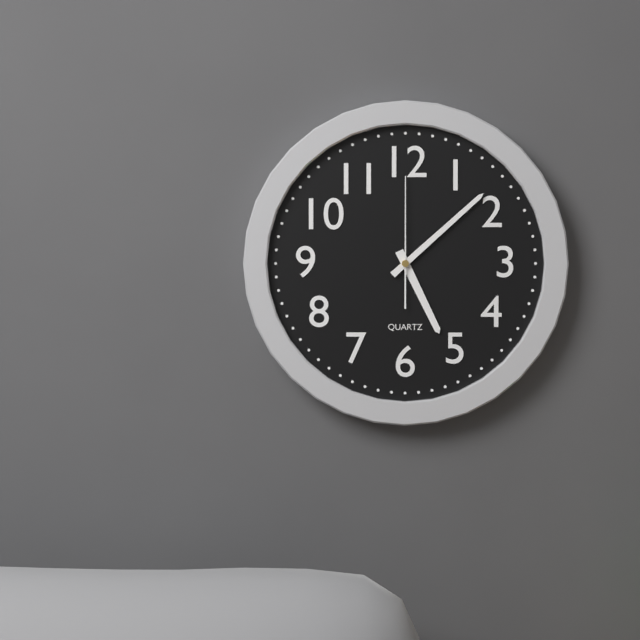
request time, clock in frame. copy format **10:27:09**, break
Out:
**5:08:00**
